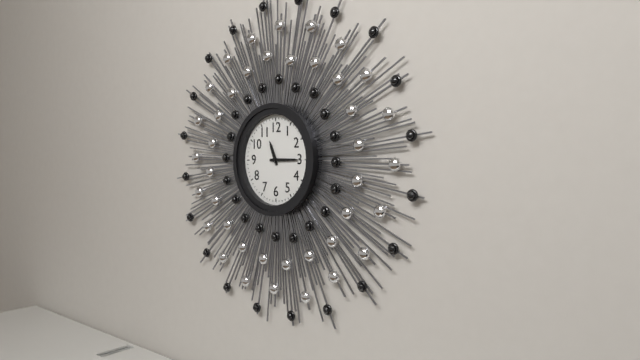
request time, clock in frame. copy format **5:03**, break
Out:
**11:15**
